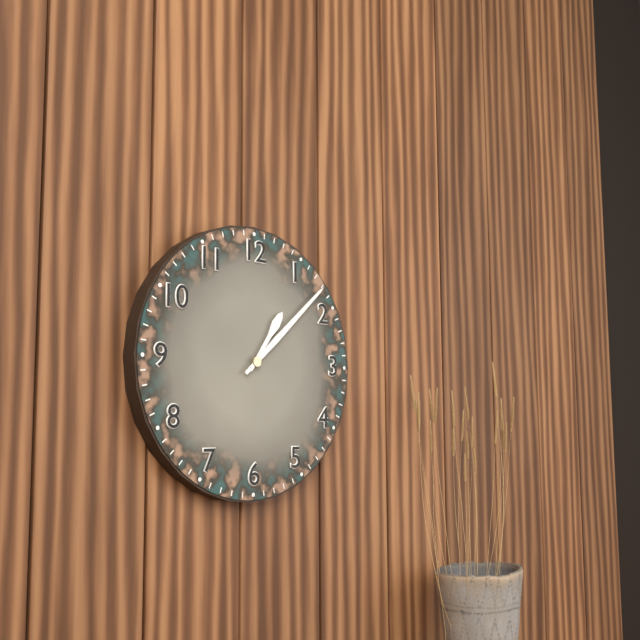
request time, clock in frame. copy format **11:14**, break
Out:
**1:08**
